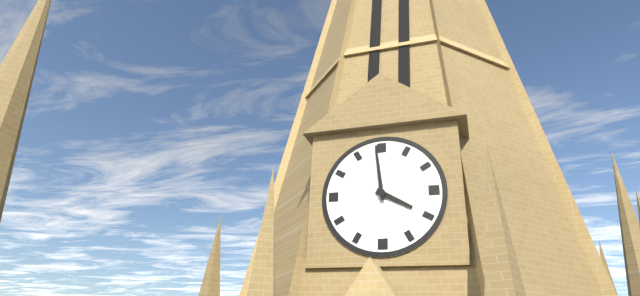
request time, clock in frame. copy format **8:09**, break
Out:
**3:59**
